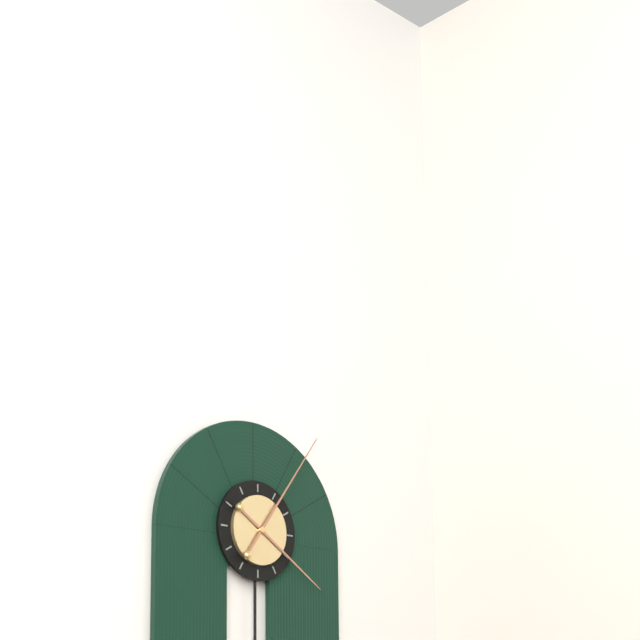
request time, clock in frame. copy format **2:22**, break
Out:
**4:06**
